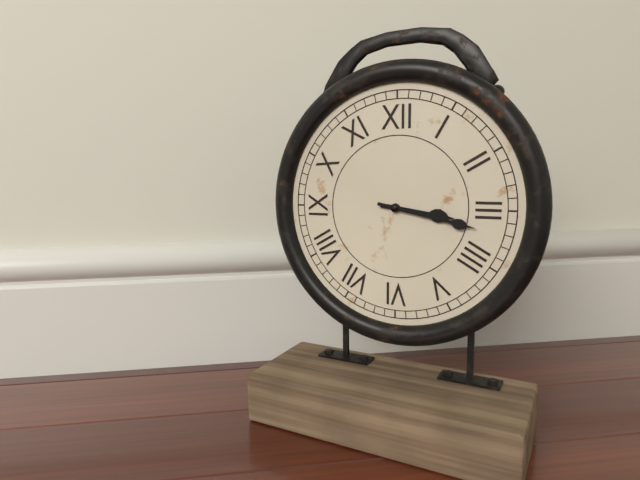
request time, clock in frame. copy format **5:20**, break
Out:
**3:17**
